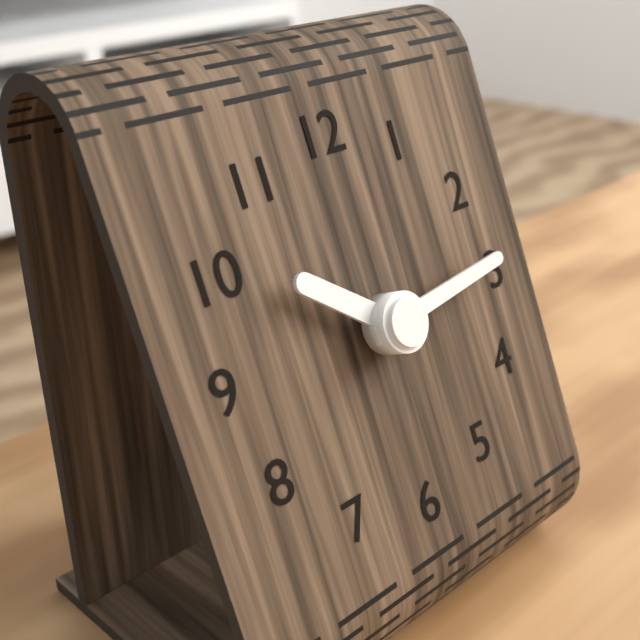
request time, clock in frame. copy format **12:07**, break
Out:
**10:14**
